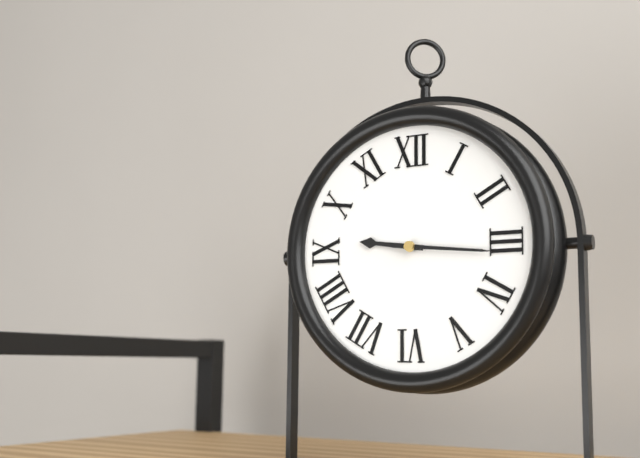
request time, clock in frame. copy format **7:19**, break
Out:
**9:16**
